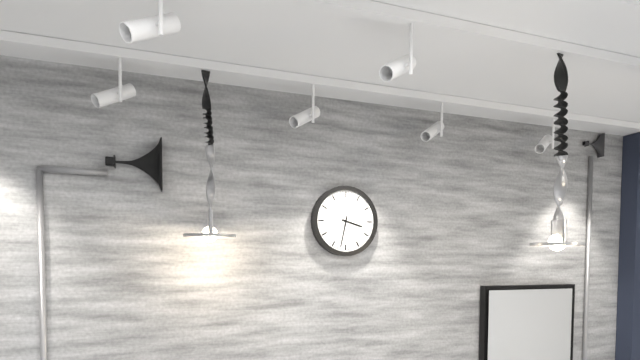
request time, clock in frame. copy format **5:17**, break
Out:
**3:32**
